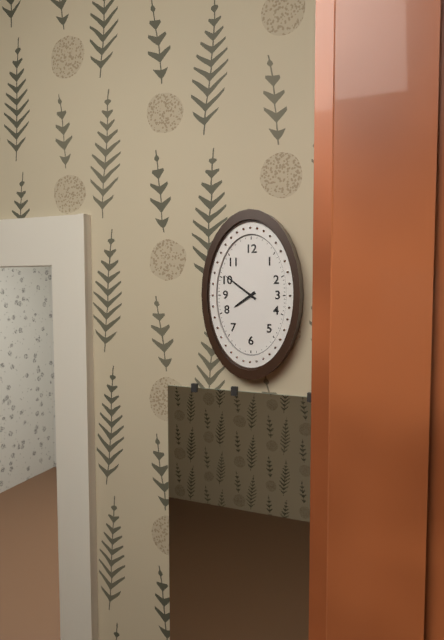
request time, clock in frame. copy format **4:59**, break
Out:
**7:51**
